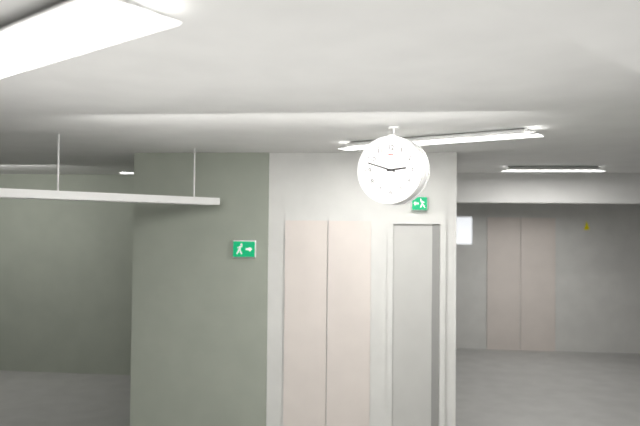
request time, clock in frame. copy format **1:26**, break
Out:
**2:48**
